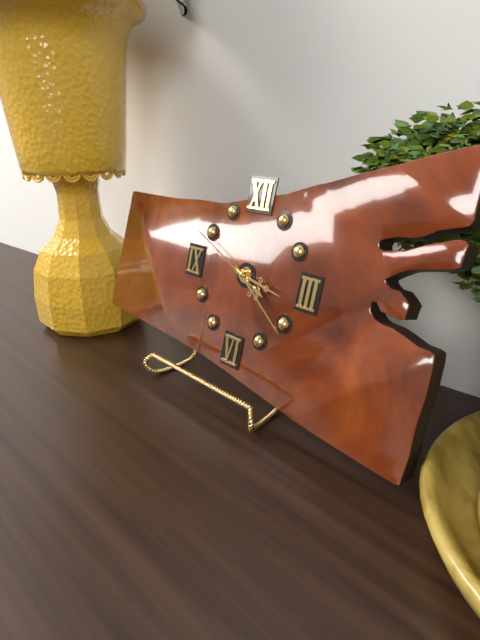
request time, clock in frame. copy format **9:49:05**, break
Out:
**3:21:49**
